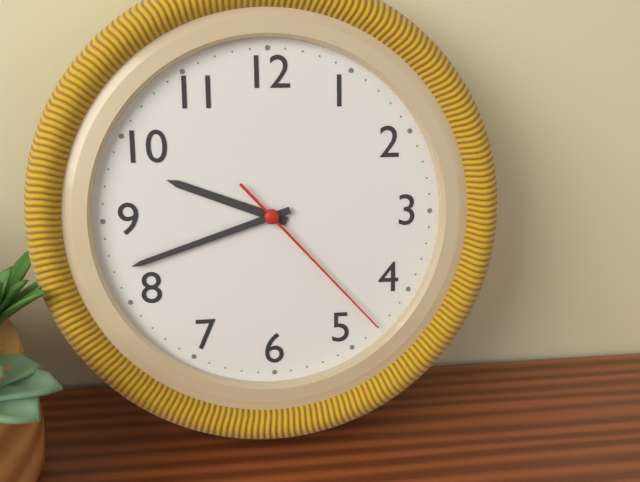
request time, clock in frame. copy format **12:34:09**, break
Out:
**9:42:23**
